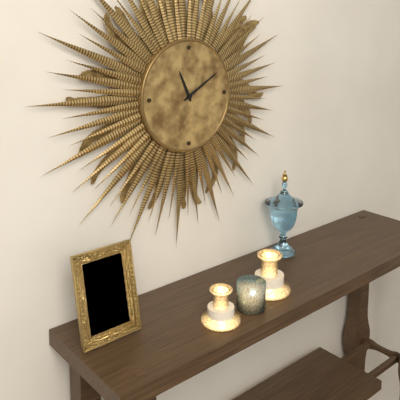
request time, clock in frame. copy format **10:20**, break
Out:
**11:10**
